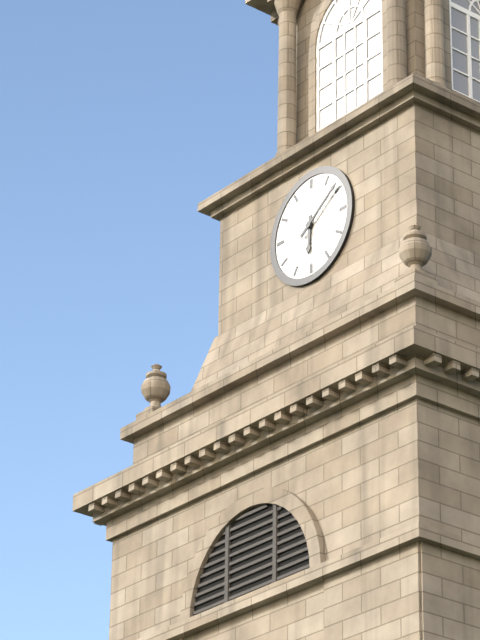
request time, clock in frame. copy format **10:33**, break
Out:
**6:09**
